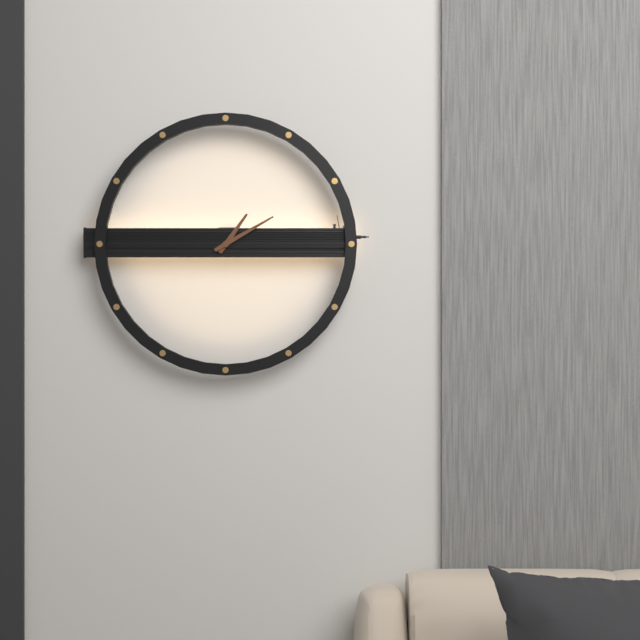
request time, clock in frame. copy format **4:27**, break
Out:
**1:10**
